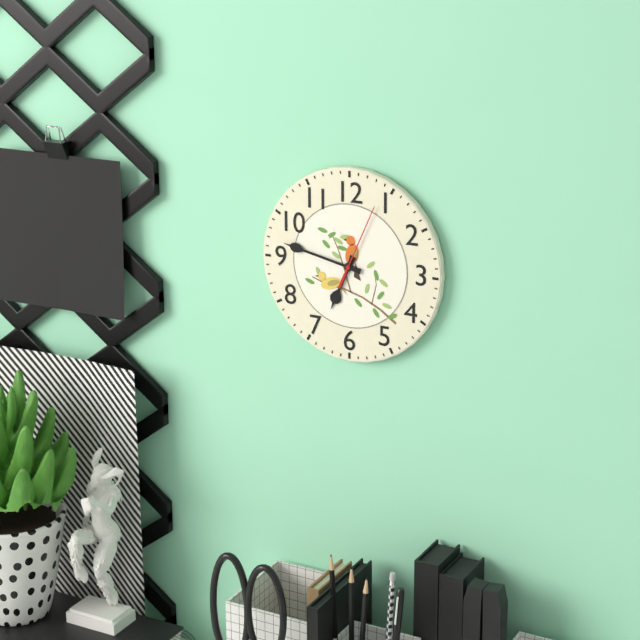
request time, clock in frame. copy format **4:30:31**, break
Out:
**6:47:04**
